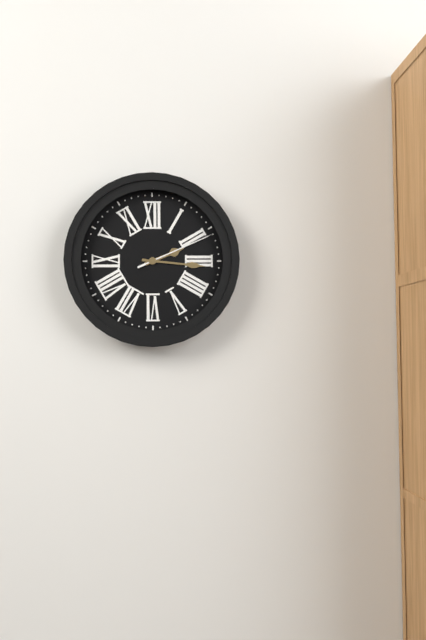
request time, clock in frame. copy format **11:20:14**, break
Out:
**2:16:11**
